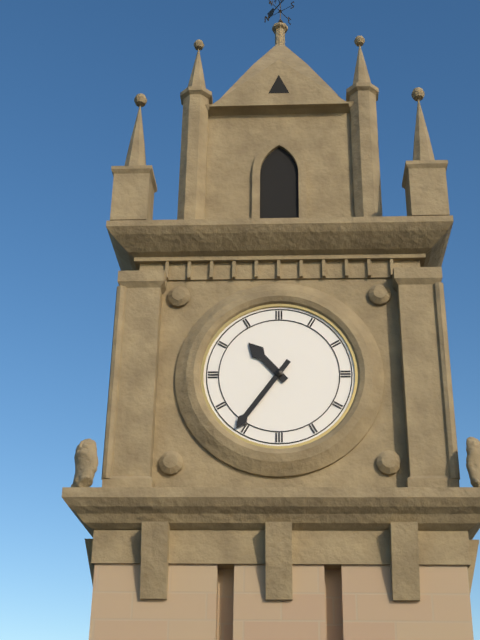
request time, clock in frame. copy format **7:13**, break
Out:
**10:36**
